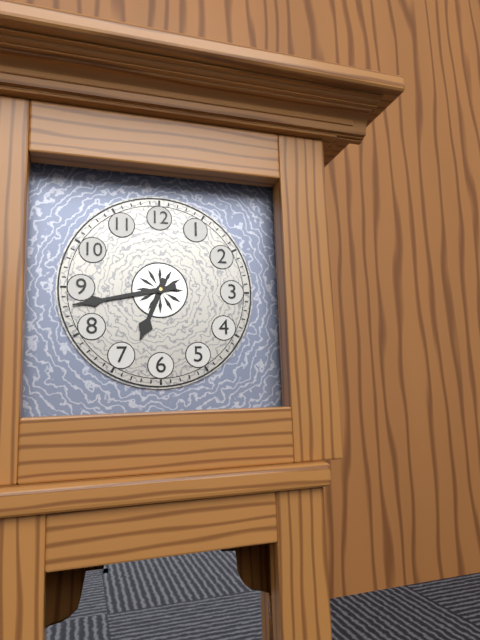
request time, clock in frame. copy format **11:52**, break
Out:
**6:43**
